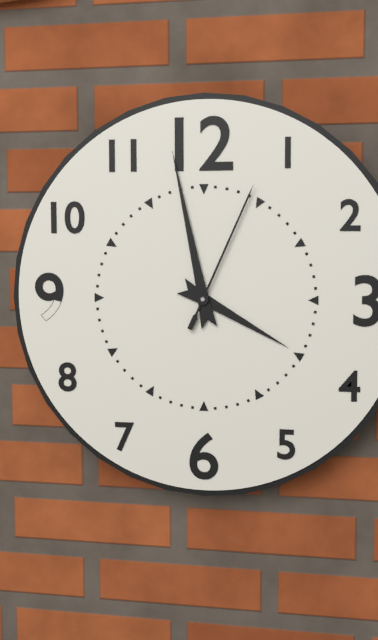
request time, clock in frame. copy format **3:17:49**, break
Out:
**3:58:04**
